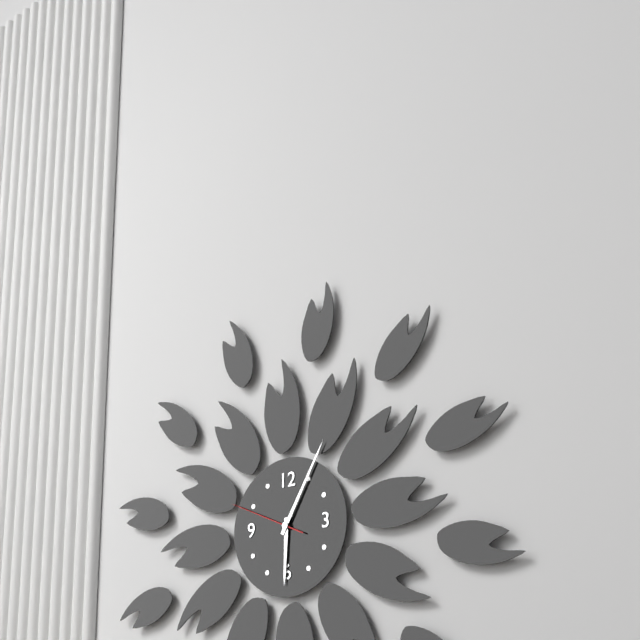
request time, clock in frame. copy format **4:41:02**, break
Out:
**6:05:49**
